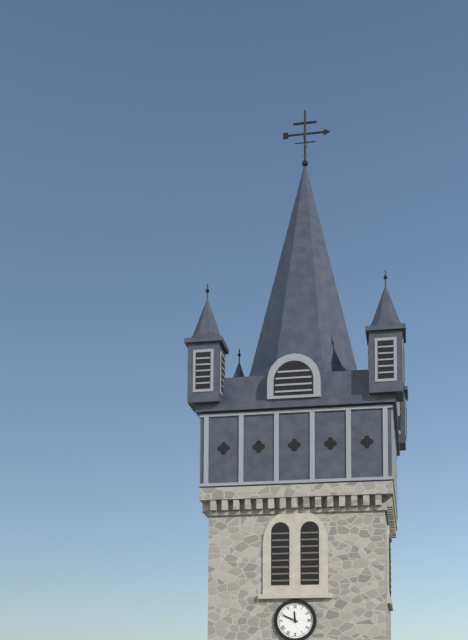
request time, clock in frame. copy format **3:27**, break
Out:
**11:49**
